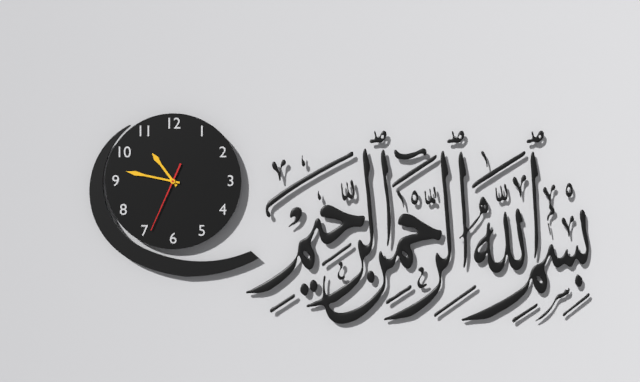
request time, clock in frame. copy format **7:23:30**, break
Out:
**10:47:34**
